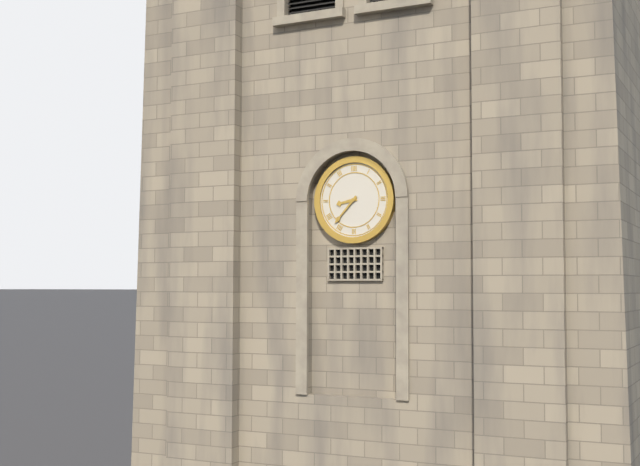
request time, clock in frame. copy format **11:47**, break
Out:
**8:37**
